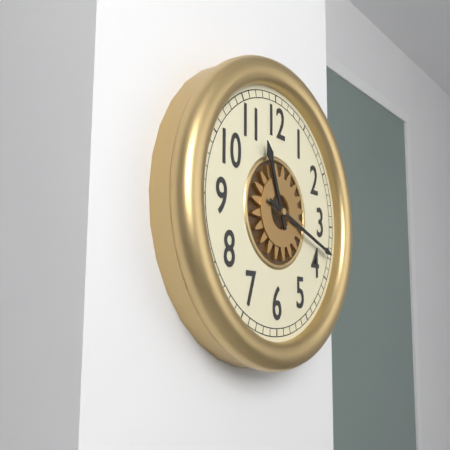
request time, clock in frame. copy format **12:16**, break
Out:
**11:18**
